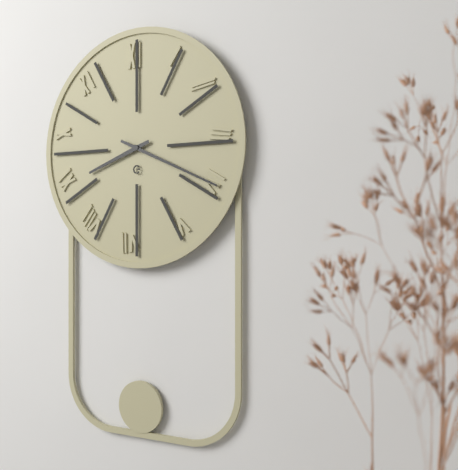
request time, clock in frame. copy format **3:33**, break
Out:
**8:19**
